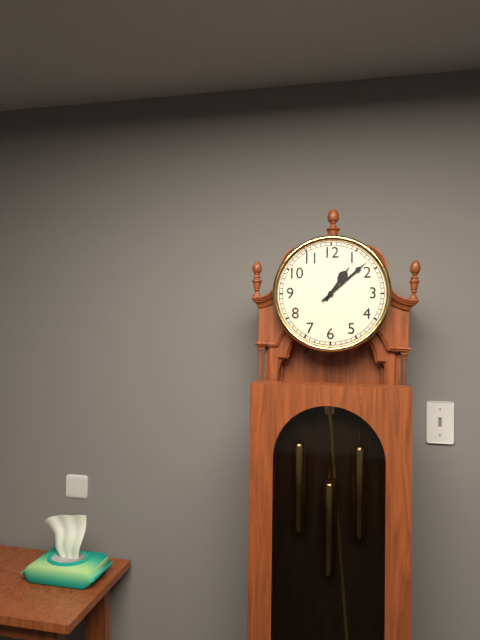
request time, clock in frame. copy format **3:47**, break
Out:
**1:08**
